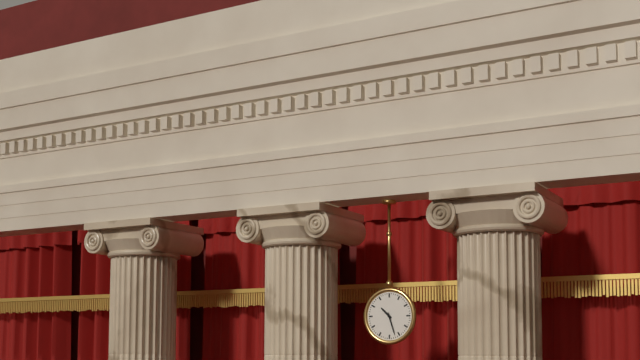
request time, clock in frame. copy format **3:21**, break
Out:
**10:27**
